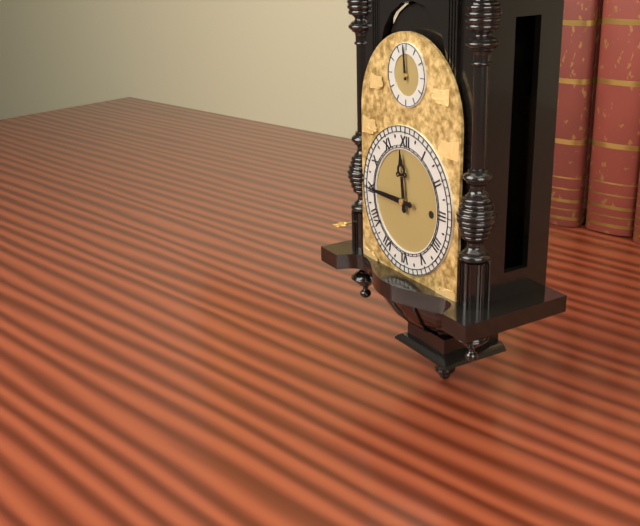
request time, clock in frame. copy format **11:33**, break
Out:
**11:45**
